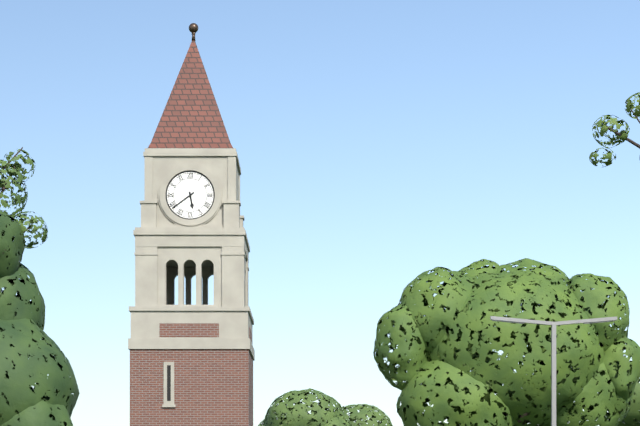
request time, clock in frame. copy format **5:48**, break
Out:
**5:39**
